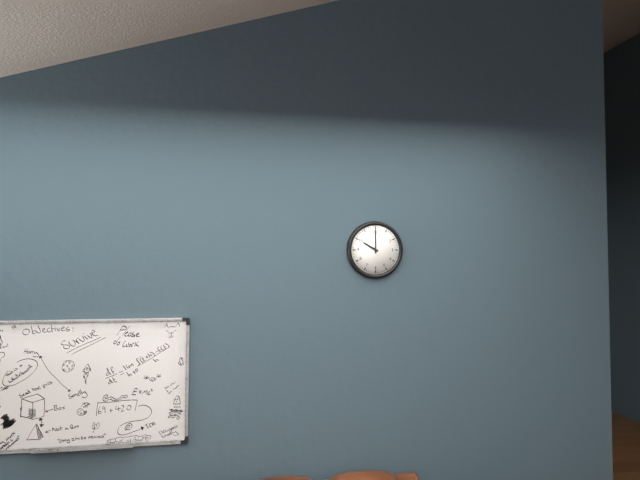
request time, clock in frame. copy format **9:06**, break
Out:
**10:00**
